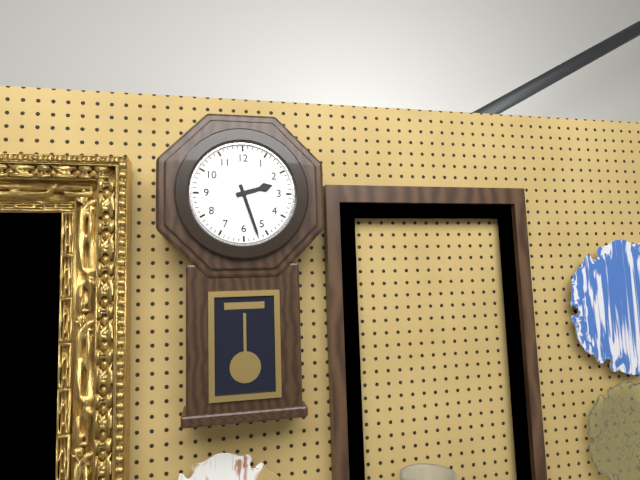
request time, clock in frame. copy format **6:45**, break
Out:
**2:27**
